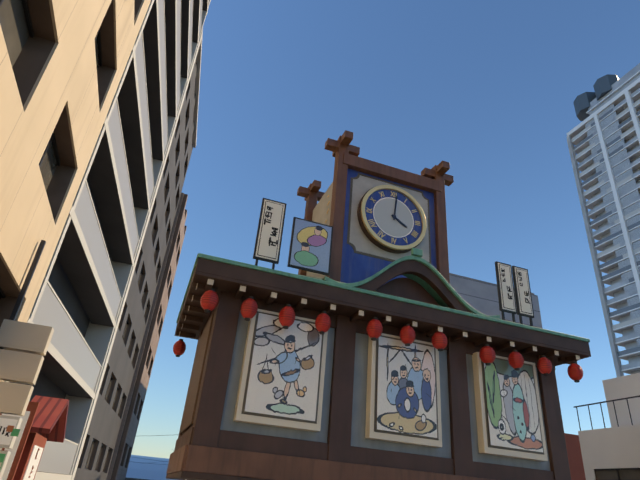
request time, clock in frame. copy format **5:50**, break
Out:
**4:01**
